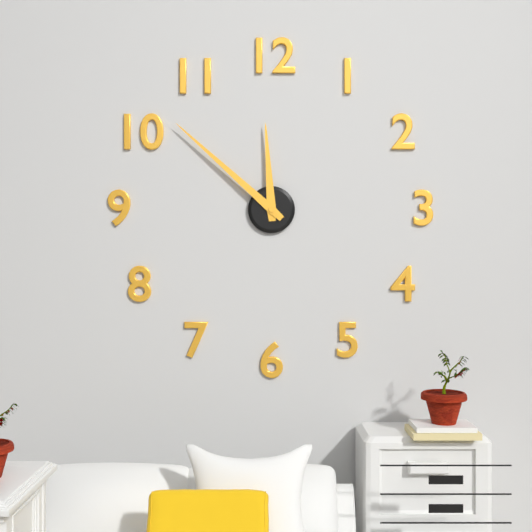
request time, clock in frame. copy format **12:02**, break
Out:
**11:52**
